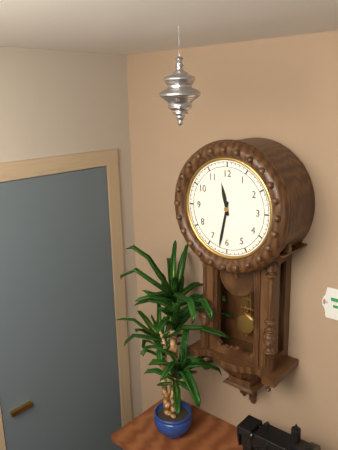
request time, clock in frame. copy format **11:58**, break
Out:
**11:32**
